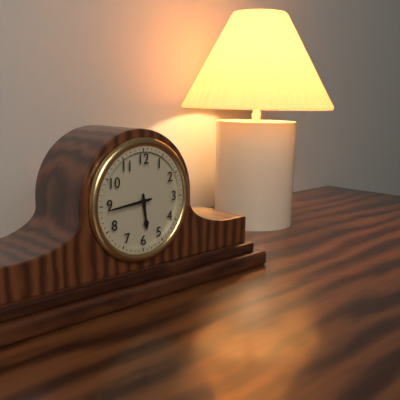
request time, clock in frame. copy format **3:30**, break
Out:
**5:44**
